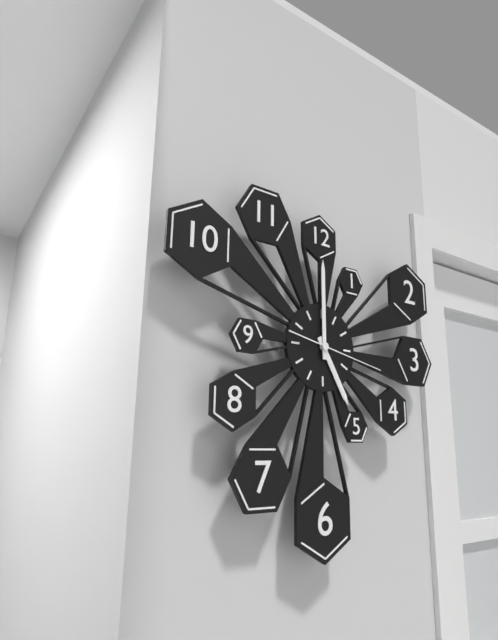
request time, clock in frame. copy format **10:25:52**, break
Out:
**5:00:17**
